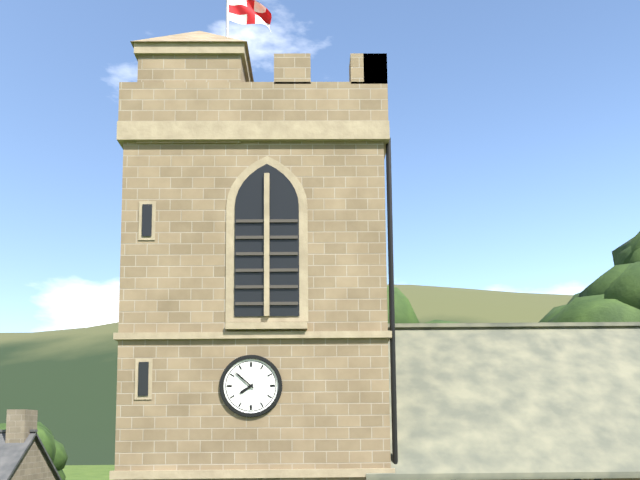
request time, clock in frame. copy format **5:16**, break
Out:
**7:52**
